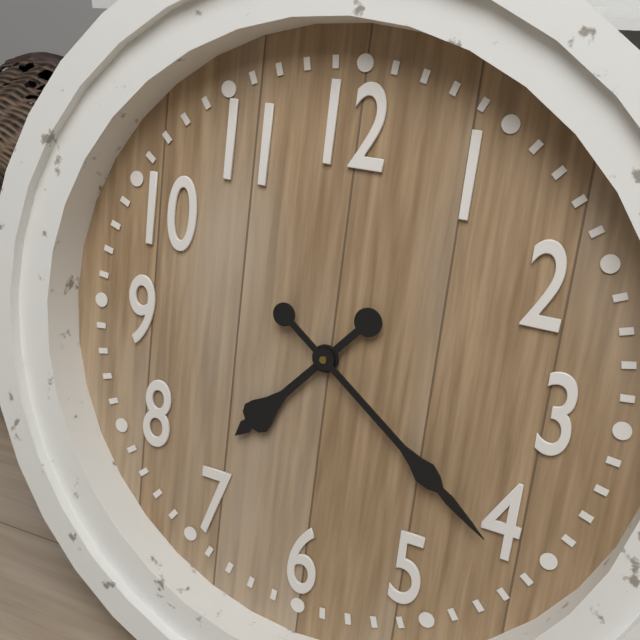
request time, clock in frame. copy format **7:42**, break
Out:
**7:21**
